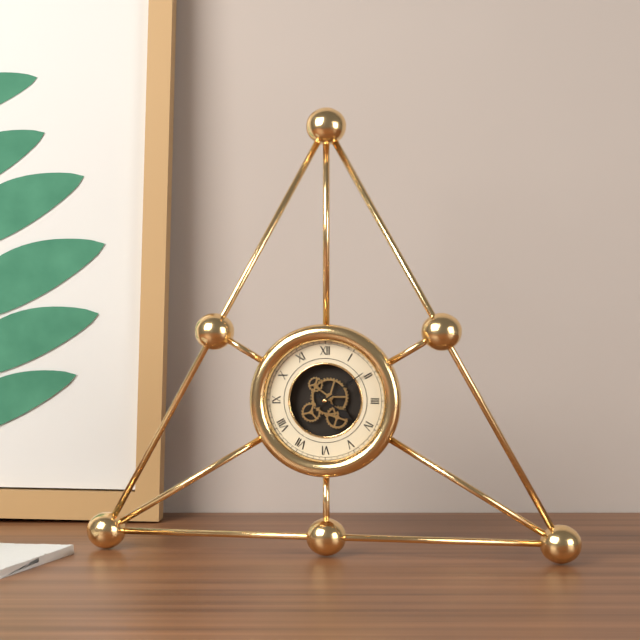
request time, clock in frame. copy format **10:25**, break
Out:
**4:09**
